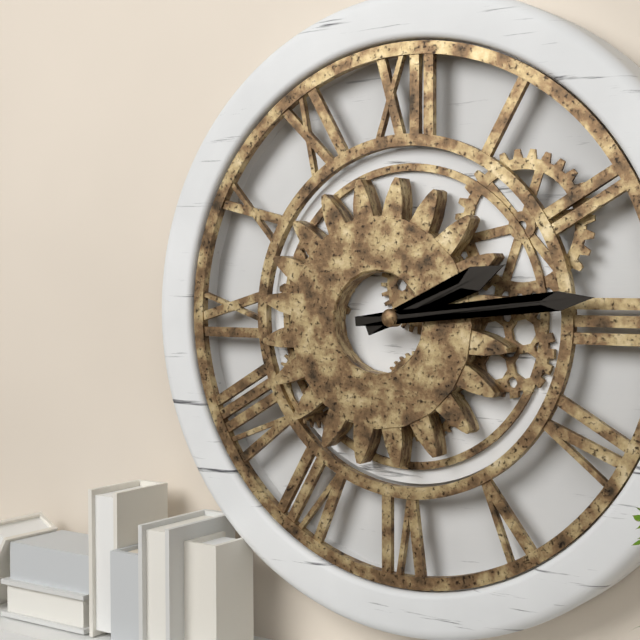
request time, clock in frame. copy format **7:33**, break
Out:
**2:14**
